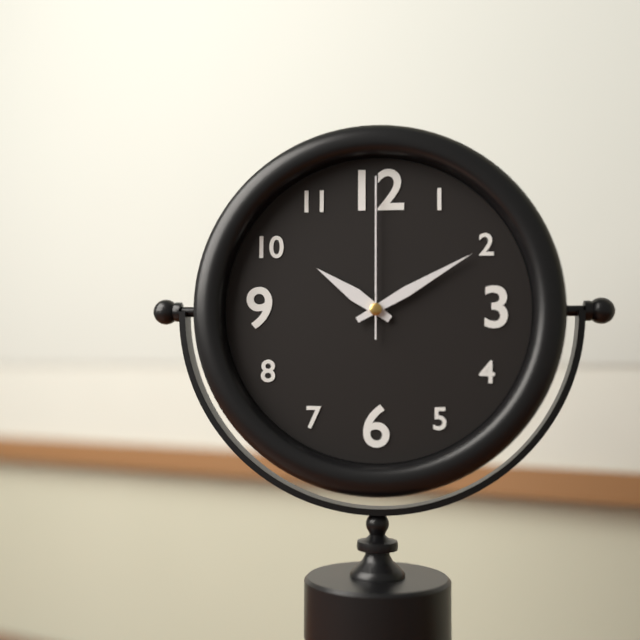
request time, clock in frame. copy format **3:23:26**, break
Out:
**10:10:00**
